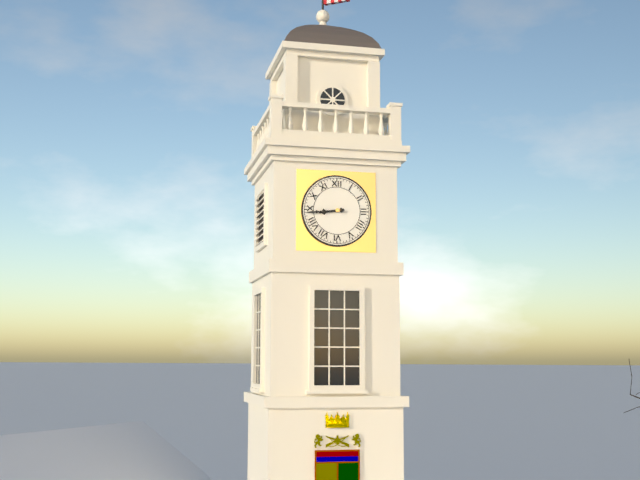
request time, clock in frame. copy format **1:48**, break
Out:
**8:44**
